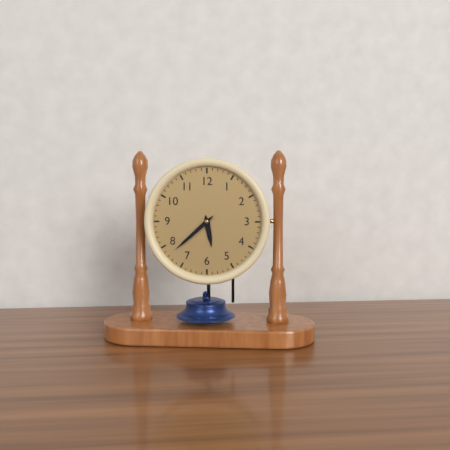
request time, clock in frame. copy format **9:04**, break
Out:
**5:38**
